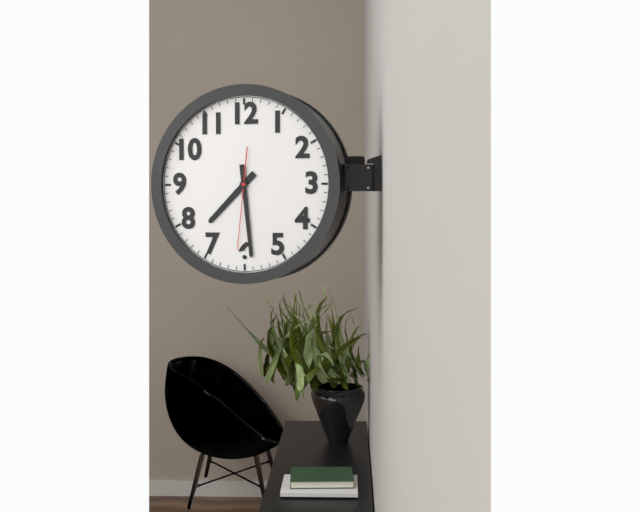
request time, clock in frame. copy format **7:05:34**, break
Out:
**7:29:31**
